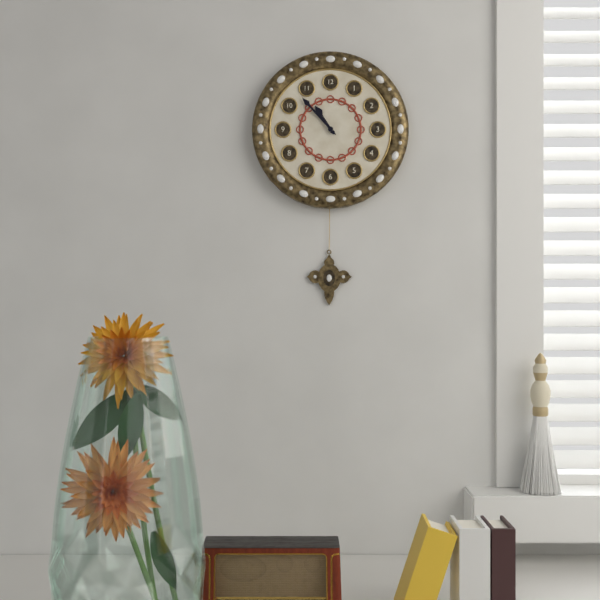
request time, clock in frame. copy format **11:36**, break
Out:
**10:53**
